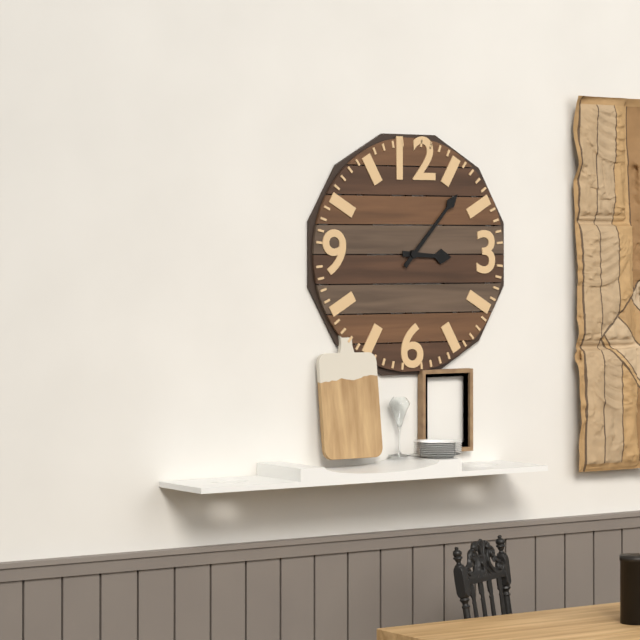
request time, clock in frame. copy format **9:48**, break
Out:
**3:07**
